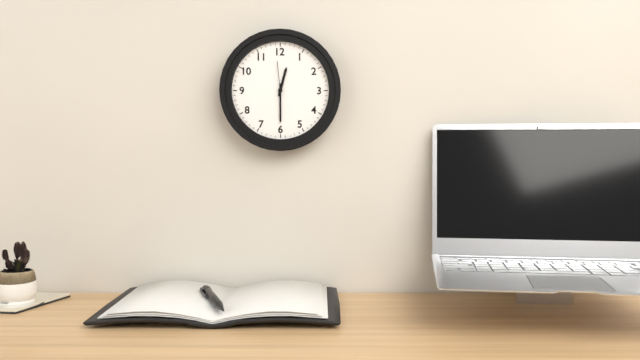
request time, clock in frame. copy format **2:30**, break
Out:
**12:30**
